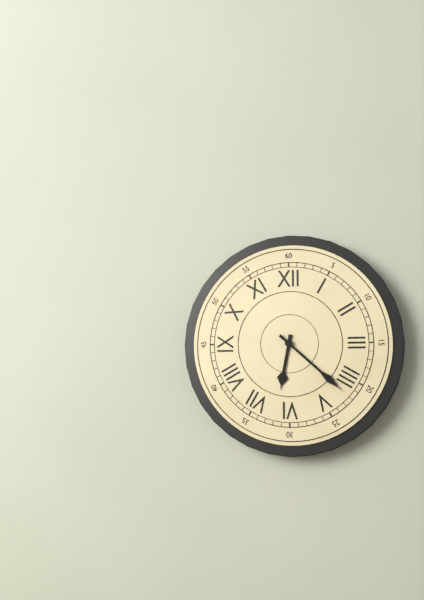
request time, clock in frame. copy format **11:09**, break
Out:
**6:22**
